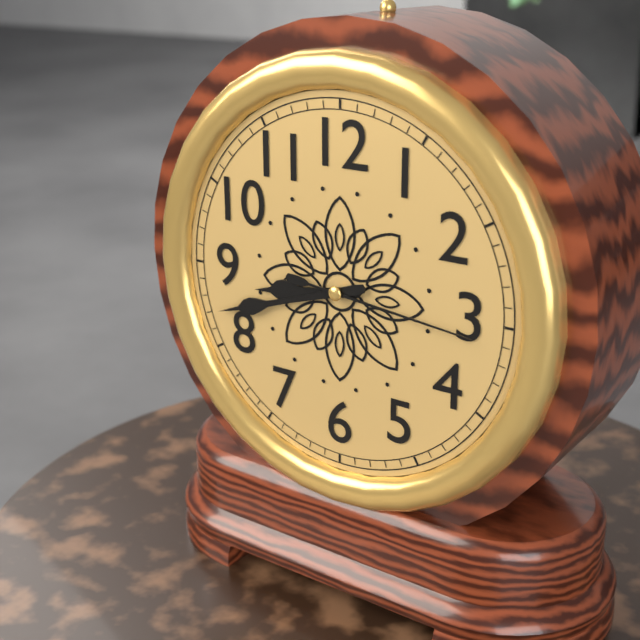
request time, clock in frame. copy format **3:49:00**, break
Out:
**8:42:16**
